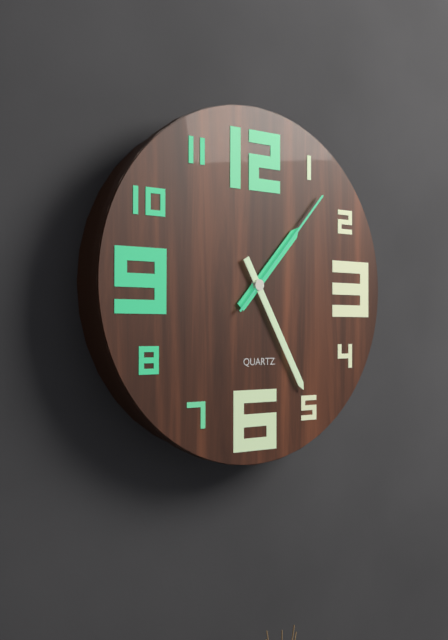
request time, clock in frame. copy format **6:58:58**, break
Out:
**1:25:07**
